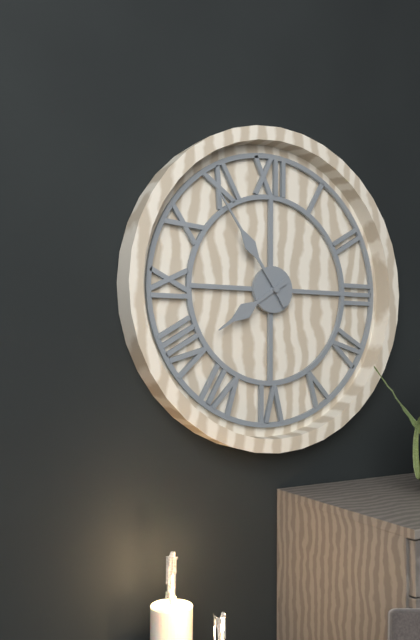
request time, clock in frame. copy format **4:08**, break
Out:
**7:54**
